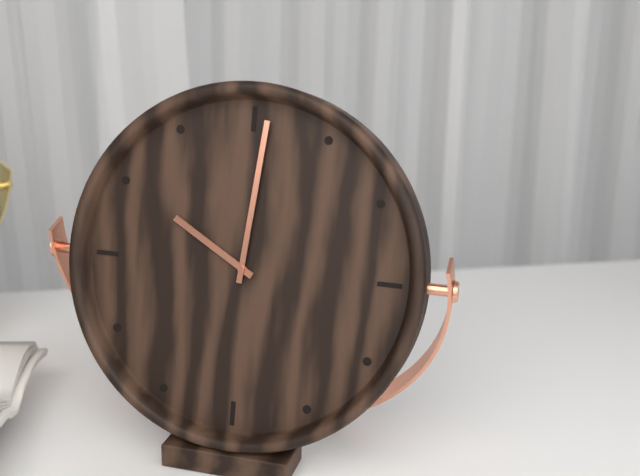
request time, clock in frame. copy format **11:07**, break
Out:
**10:01**
